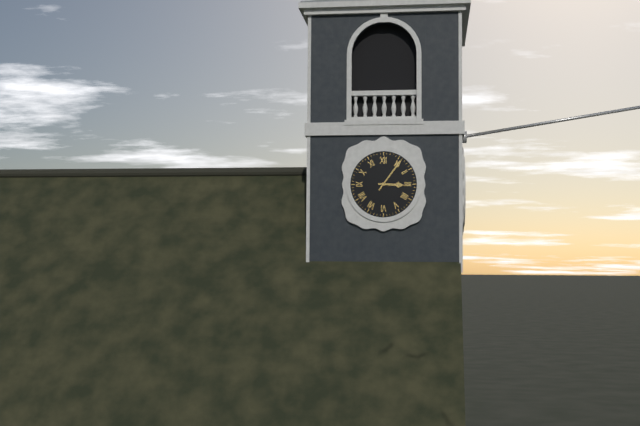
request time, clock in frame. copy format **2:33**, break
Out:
**3:06**
